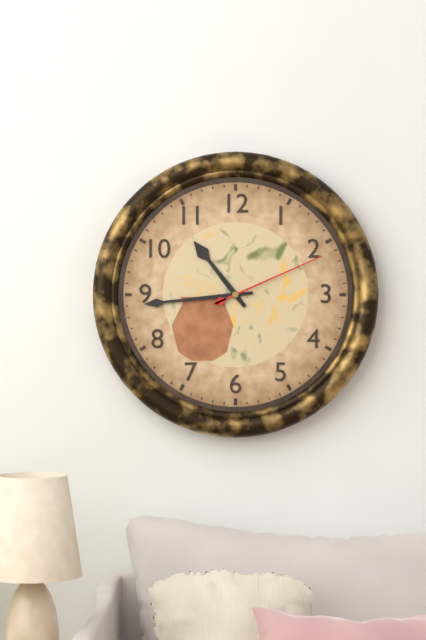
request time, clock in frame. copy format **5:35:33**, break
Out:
**10:44:11**
